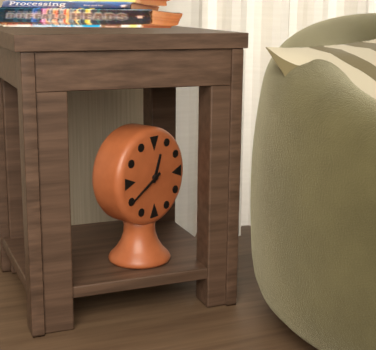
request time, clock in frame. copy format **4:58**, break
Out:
**12:40**
